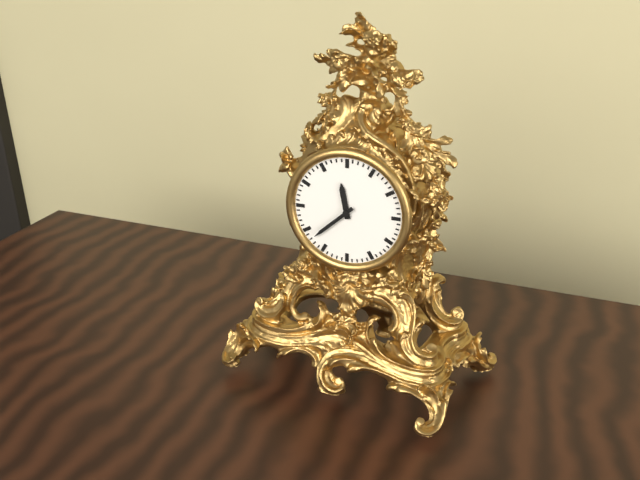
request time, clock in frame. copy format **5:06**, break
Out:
**11:38**
